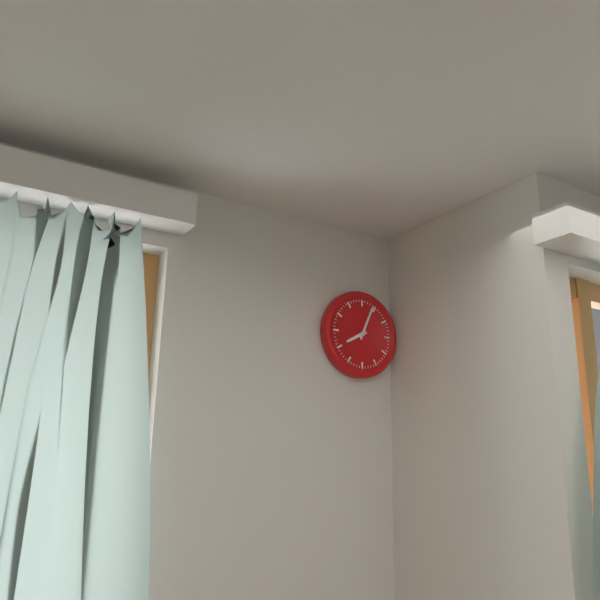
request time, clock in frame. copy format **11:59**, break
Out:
**8:04**
